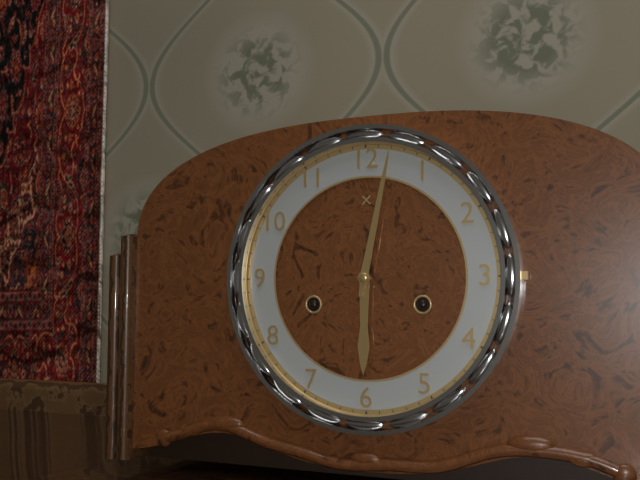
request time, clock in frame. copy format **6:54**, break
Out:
**6:02**
